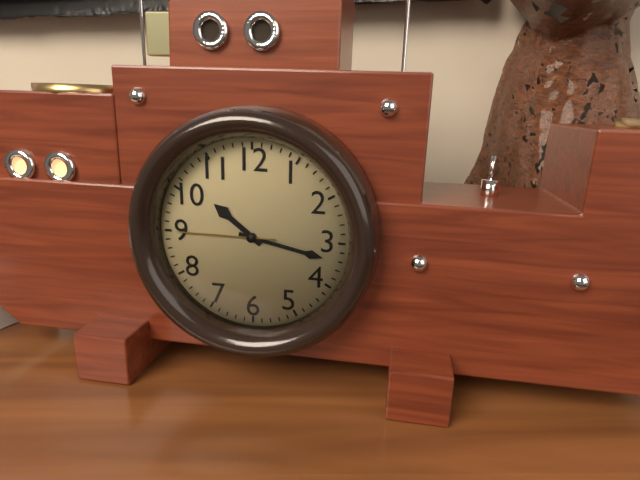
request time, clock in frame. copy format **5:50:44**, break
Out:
**10:17:45**
